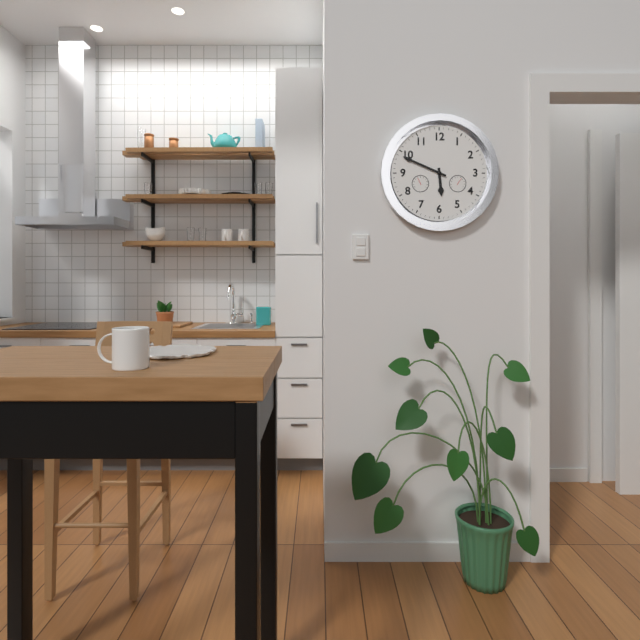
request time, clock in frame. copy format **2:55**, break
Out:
**5:49**
